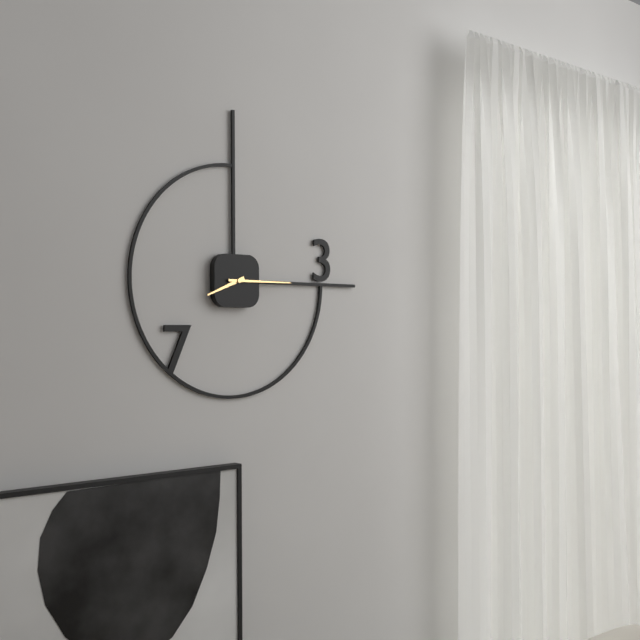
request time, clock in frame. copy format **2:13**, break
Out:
**8:15**
